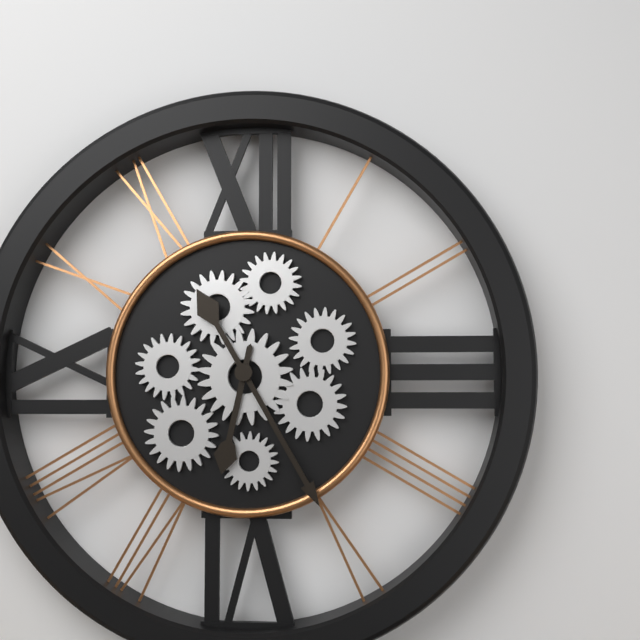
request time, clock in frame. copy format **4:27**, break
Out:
**6:25**
